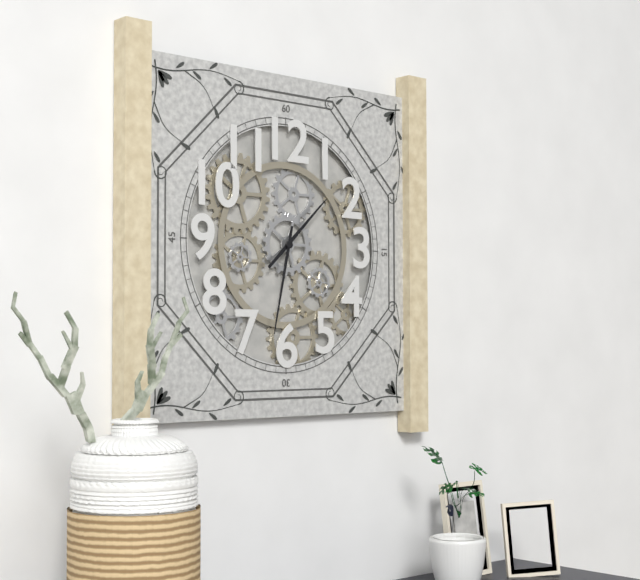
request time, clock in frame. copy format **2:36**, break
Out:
**1:32**
